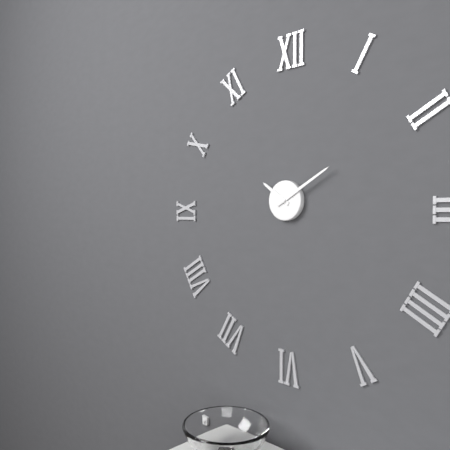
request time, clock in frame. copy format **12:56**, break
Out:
**10:10**
